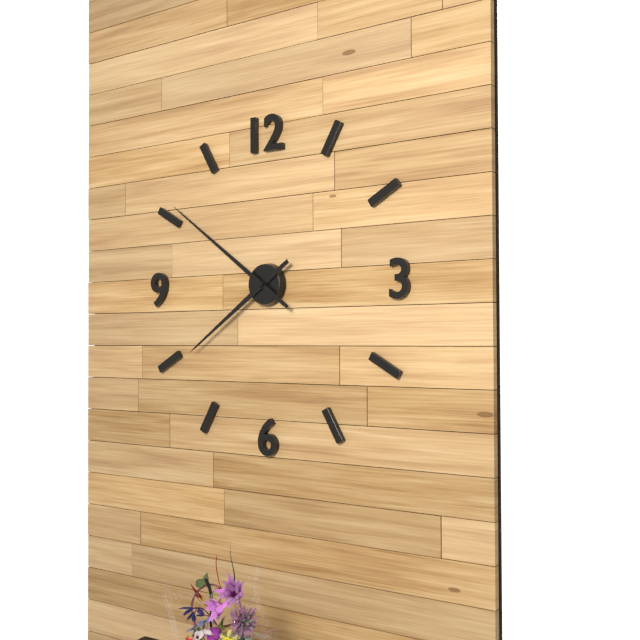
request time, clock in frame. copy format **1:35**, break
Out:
**7:51**
